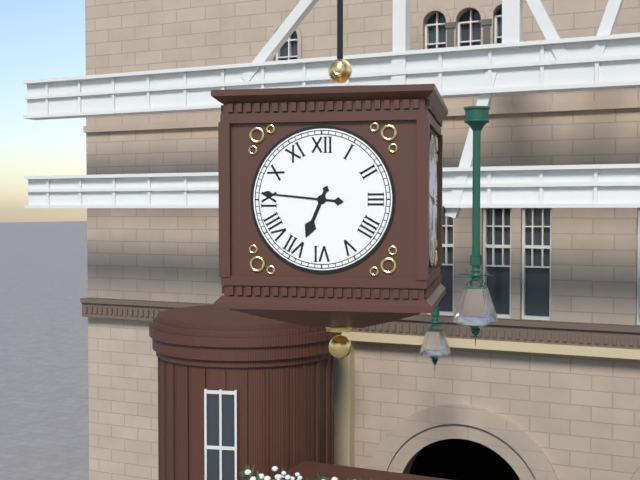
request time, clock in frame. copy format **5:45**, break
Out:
**6:46**
